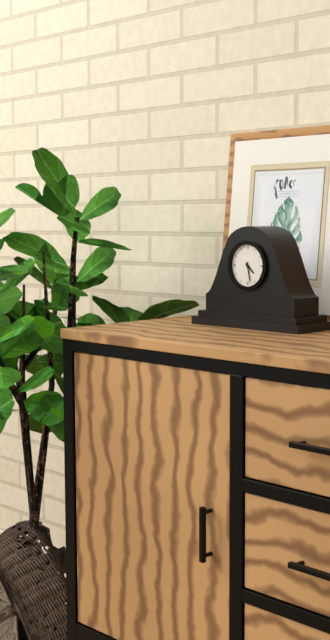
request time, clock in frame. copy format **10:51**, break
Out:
**4:28**
